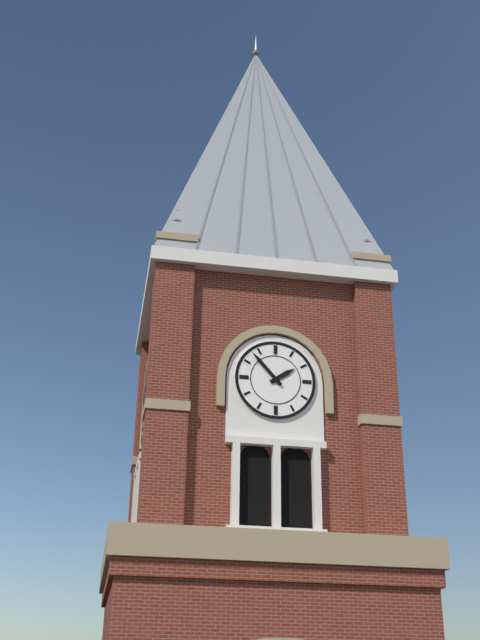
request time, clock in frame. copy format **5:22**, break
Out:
**1:53**
